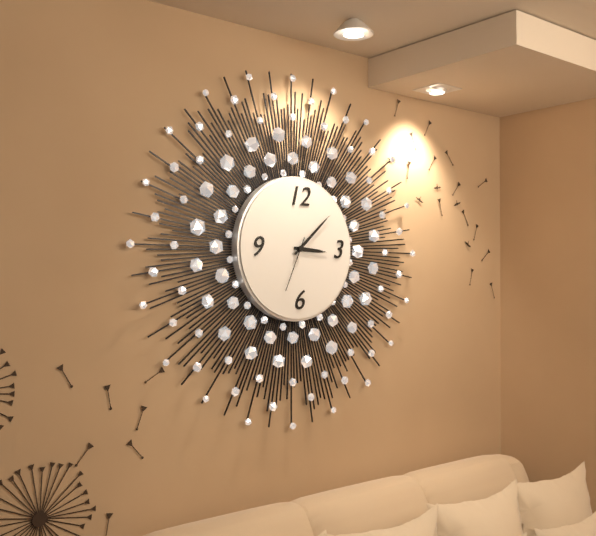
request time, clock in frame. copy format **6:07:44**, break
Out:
**3:08:34**
